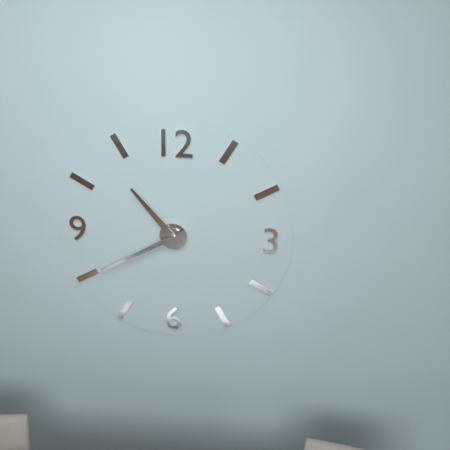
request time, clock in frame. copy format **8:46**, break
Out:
**10:40**
